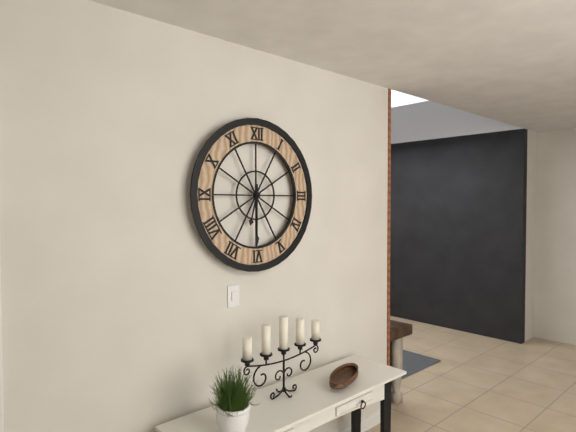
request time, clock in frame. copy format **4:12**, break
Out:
**6:30**
